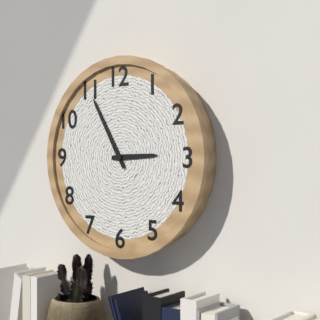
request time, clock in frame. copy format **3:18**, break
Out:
**2:55**
